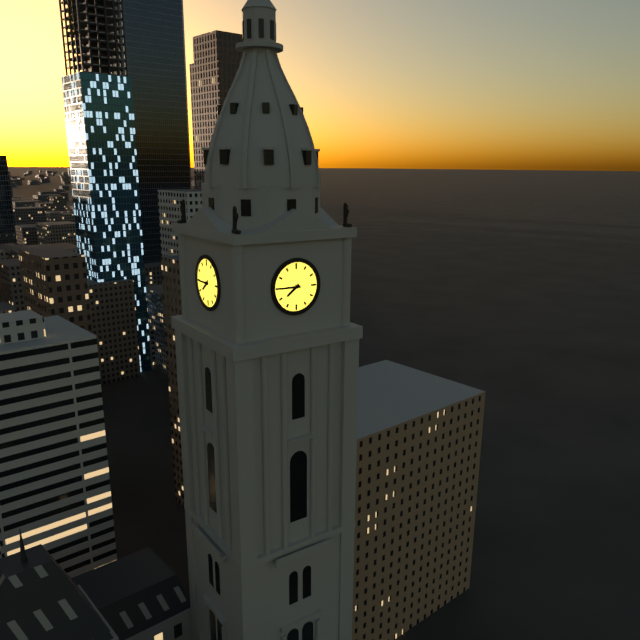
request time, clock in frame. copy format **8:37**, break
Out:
**7:45**
